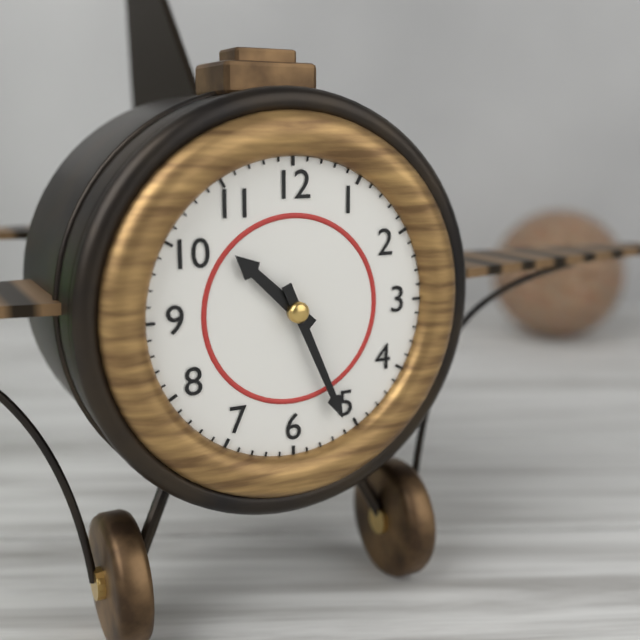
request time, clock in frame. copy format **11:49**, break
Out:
**10:26**
